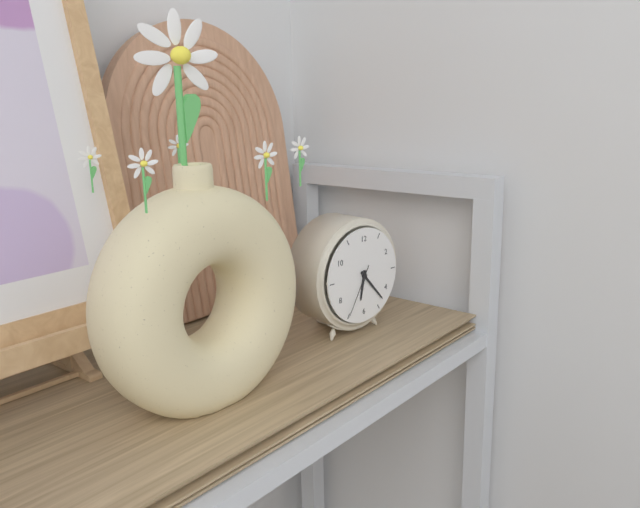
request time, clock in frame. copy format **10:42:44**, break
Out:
**6:23:35**
